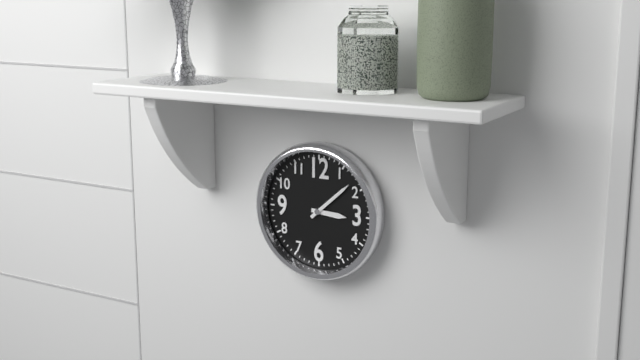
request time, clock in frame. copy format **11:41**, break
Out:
**3:08**
